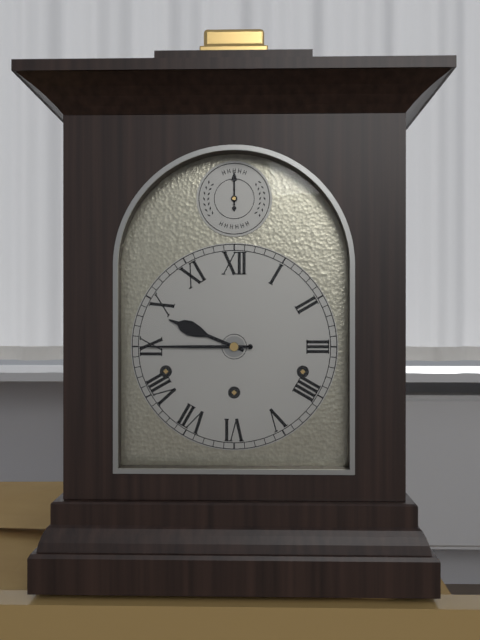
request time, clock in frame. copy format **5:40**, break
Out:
**9:45**
